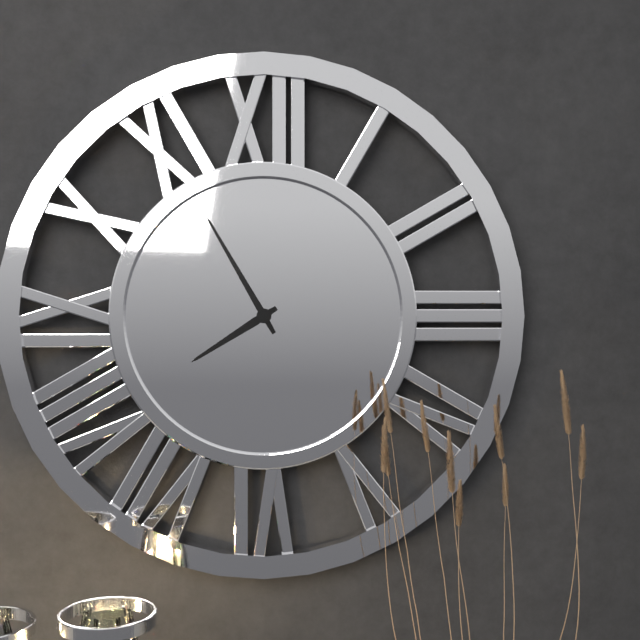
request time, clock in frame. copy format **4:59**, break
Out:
**7:55**
